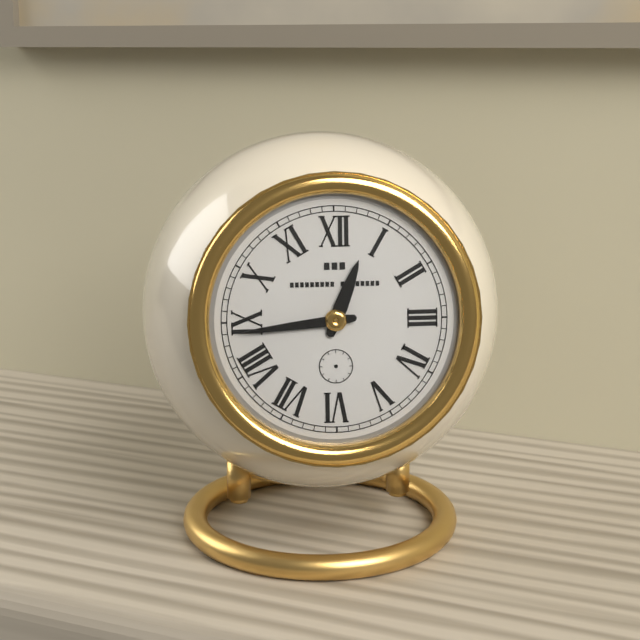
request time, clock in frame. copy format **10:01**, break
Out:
**12:44**
